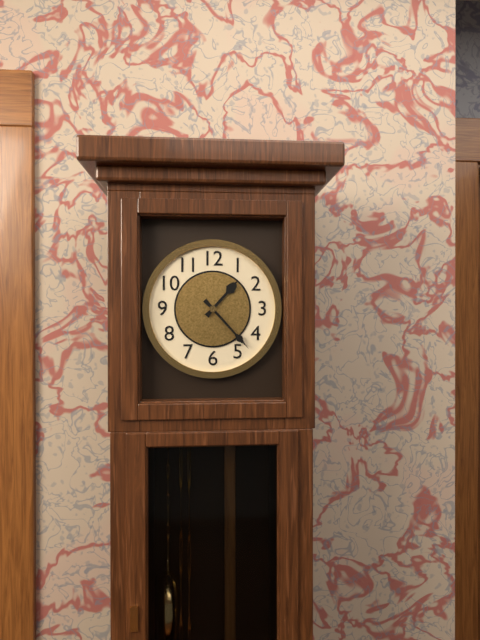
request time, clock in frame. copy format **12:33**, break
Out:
**1:23**
